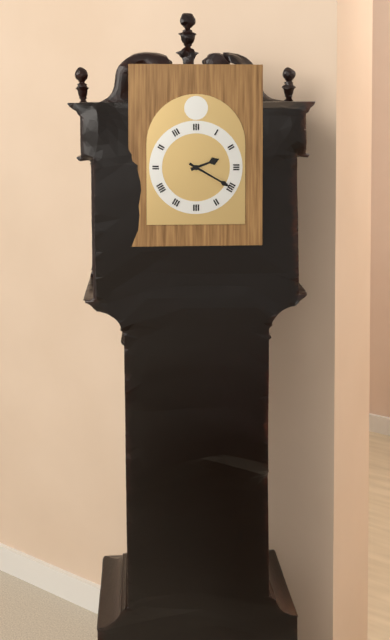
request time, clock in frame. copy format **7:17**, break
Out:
**2:20**
